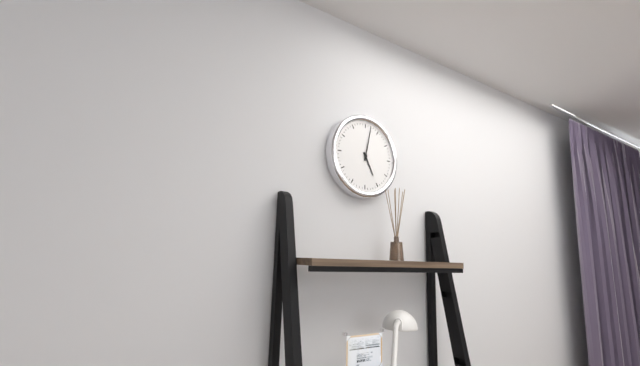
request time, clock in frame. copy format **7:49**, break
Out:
**5:02**
